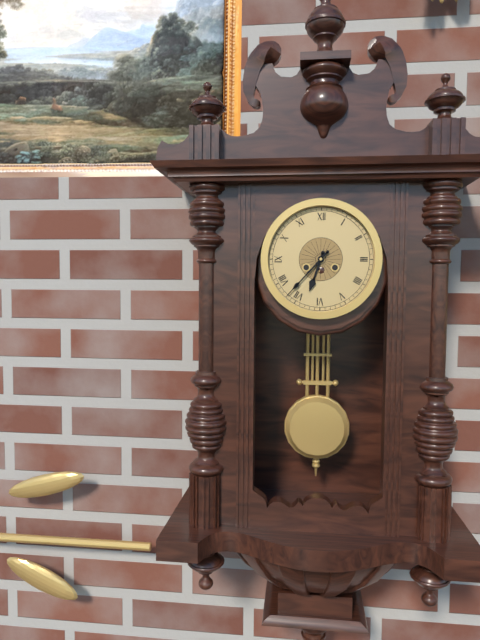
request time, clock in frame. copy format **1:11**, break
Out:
**6:37**
